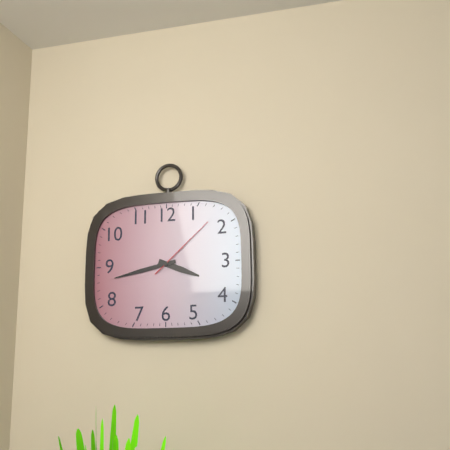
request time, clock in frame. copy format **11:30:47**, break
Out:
**3:43:08**
